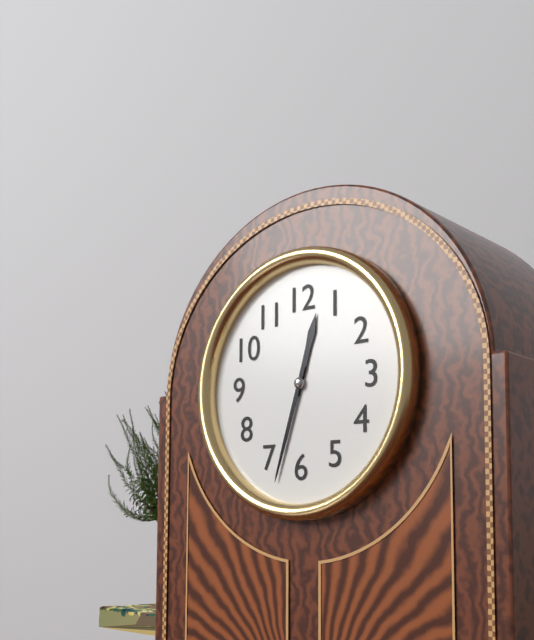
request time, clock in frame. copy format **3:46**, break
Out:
**12:33**
